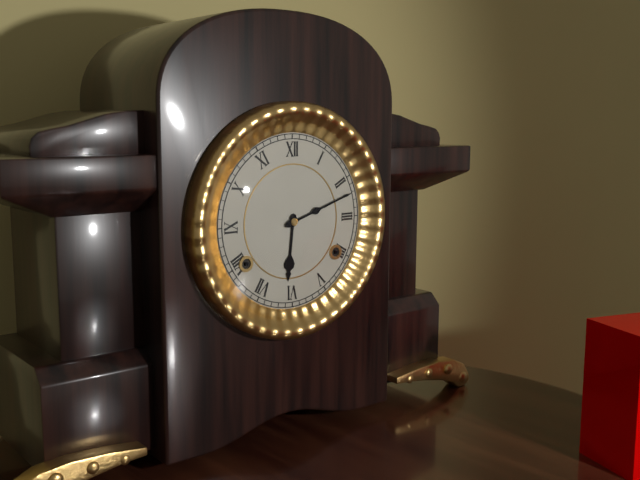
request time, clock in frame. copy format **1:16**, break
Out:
**6:12**
